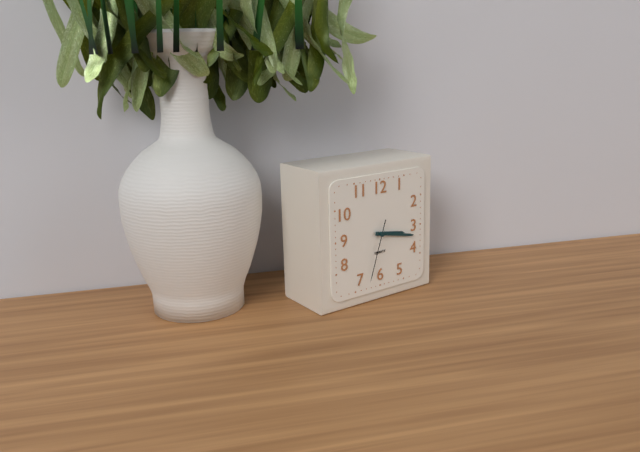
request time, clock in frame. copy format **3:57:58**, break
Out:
**3:17:33**
